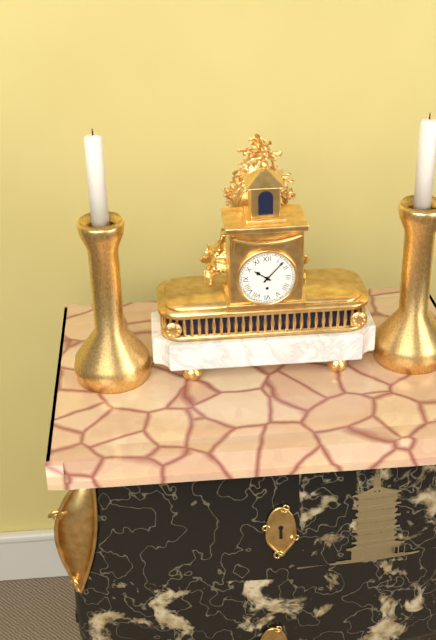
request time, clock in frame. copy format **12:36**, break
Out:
**10:07**
